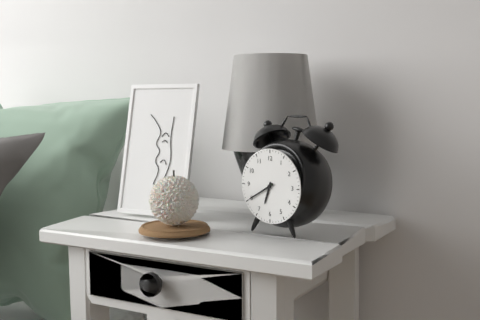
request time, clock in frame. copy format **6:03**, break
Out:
**6:40**
